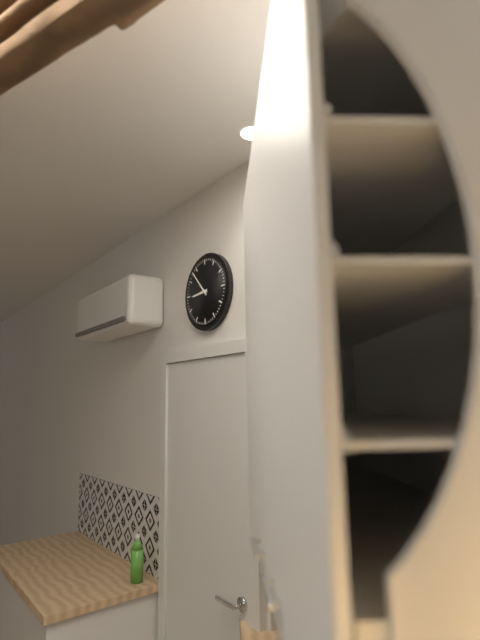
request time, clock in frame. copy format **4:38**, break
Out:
**8:53**
